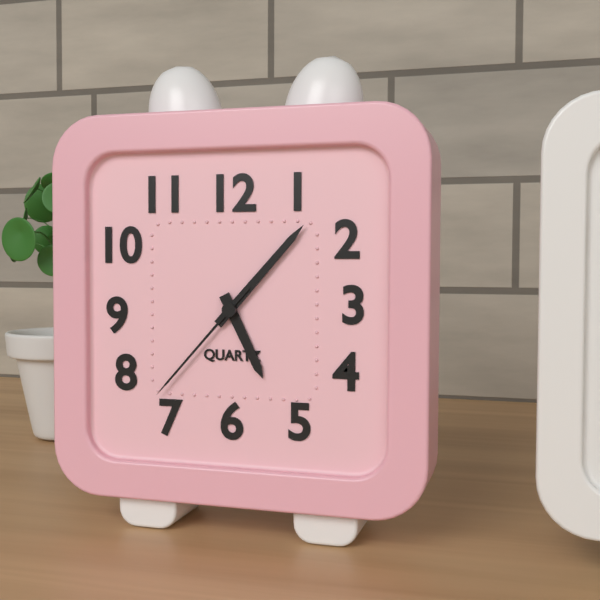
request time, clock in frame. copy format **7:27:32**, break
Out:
**5:07:37**
